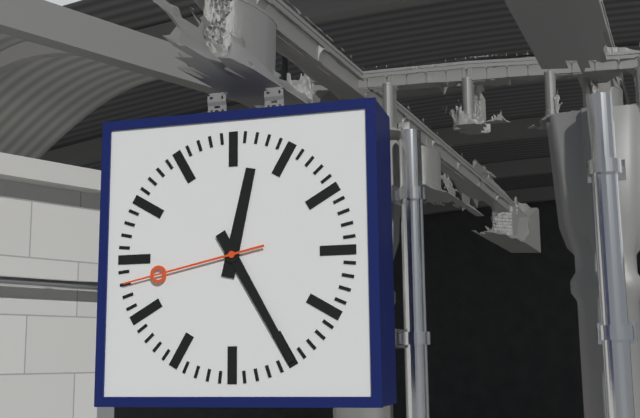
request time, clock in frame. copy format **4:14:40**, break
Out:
**12:25:43**
